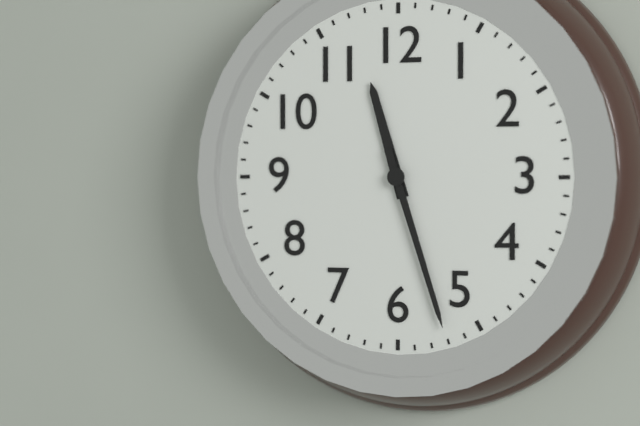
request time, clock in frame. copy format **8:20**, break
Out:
**11:27**
